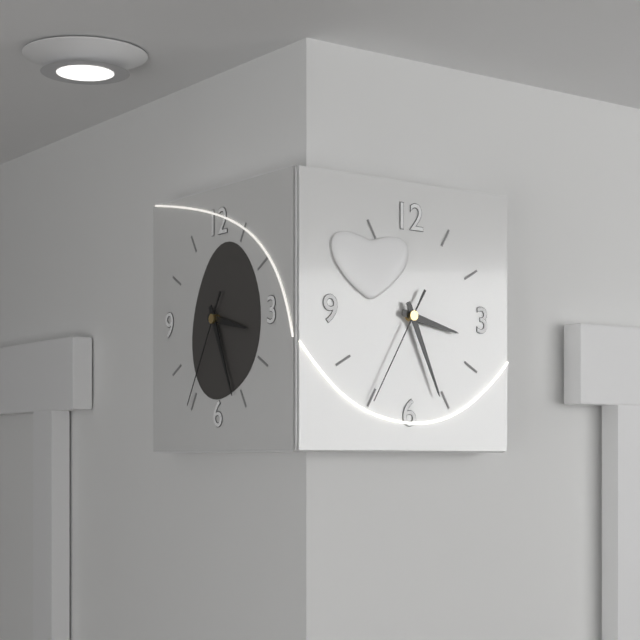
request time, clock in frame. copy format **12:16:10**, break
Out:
**3:26:35**
